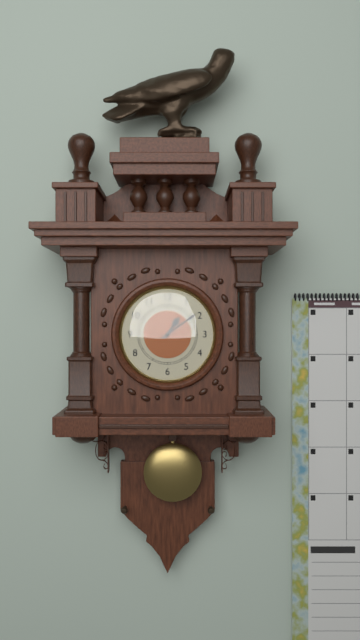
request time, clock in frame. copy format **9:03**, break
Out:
**1:09**
